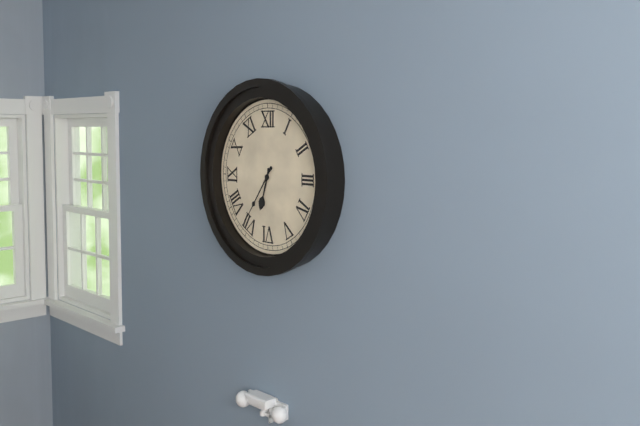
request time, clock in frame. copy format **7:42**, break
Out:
**6:36**
